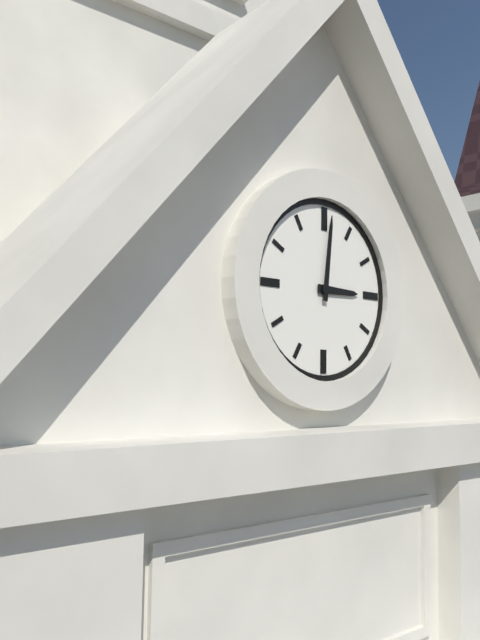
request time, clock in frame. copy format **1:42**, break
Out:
**3:01**
